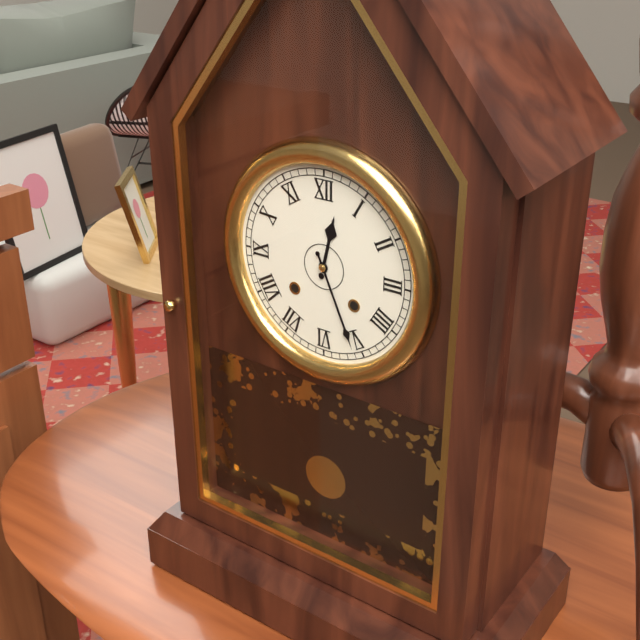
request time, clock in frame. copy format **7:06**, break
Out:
**12:26**
